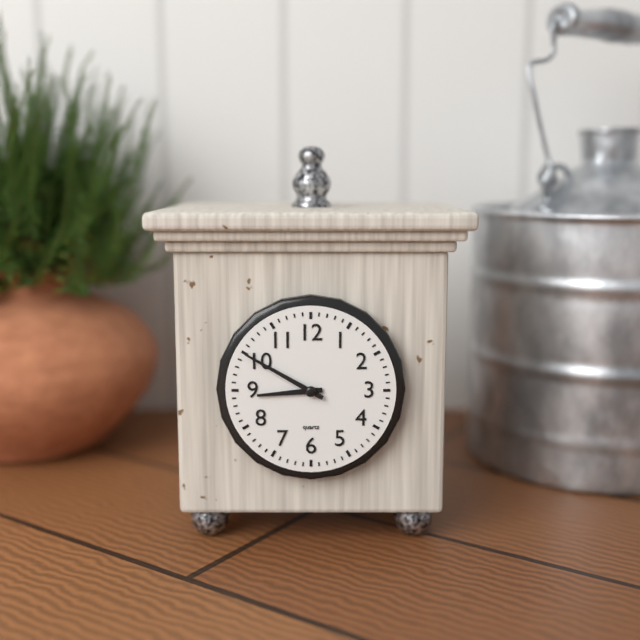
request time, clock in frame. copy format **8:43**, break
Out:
**8:50**
